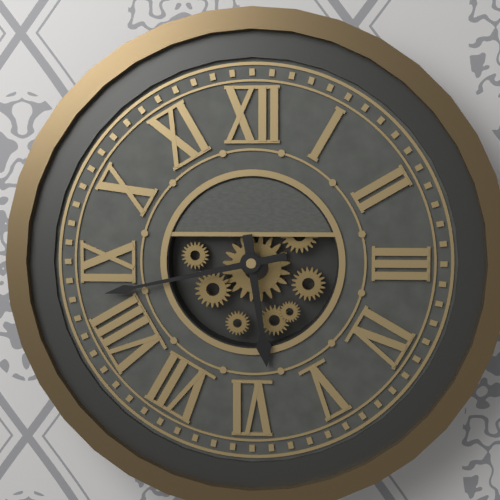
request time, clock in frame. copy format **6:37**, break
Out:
**5:43**
